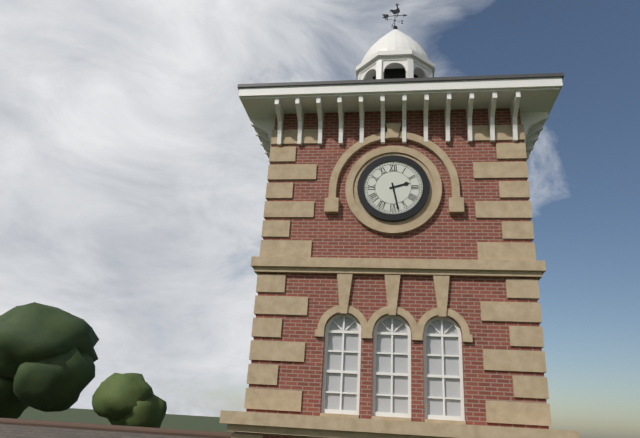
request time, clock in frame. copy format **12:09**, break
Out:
**2:28**
